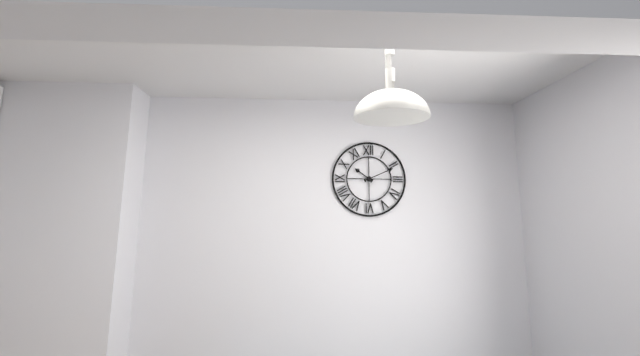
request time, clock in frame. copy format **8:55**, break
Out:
**10:11**
